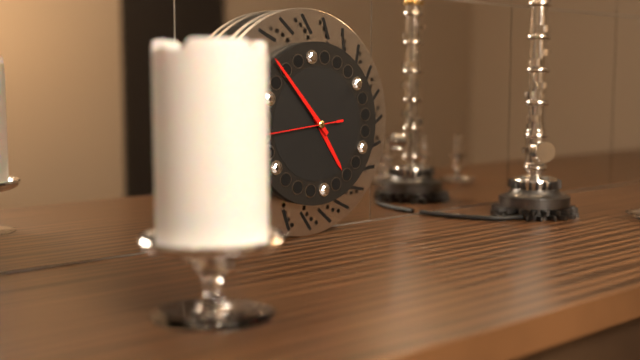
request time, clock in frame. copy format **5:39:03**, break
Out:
**4:53:44**
